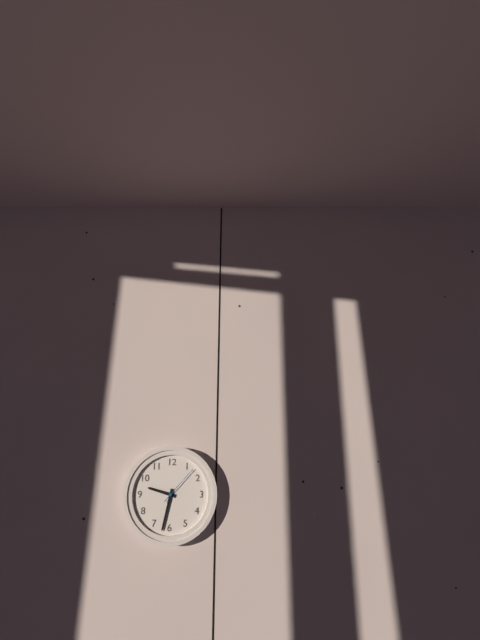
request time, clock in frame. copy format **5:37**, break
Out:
**9:32**
